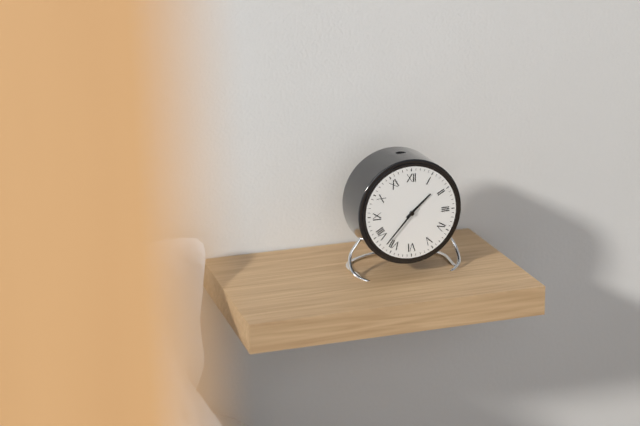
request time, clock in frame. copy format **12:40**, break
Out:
**1:37**
